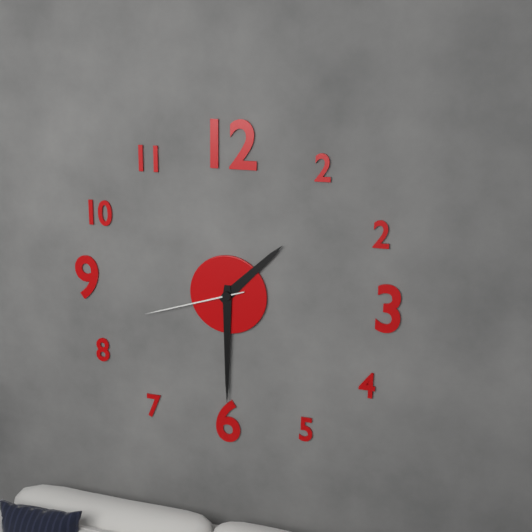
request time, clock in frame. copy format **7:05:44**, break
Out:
**1:30:42**
